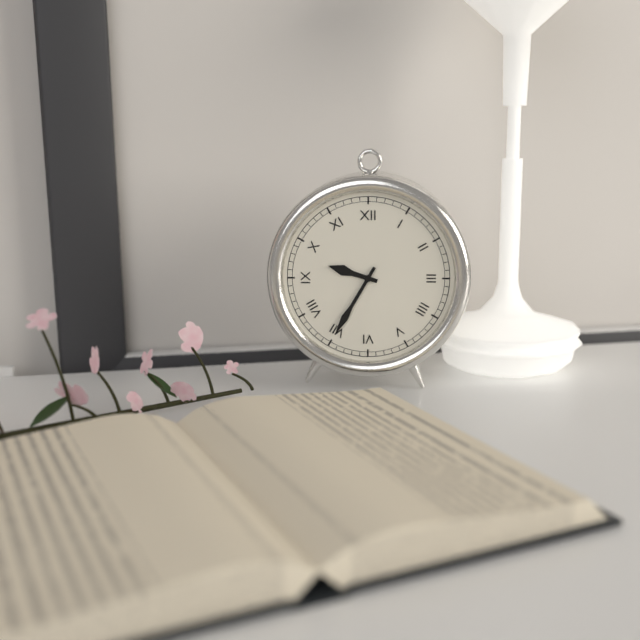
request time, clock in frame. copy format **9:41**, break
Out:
**9:35**
